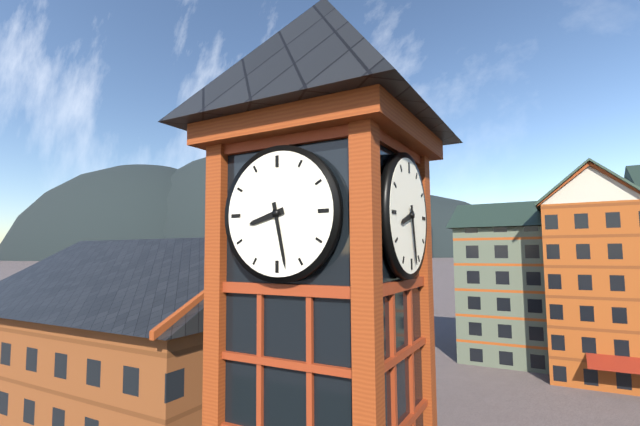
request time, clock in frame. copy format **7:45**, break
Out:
**8:28**
